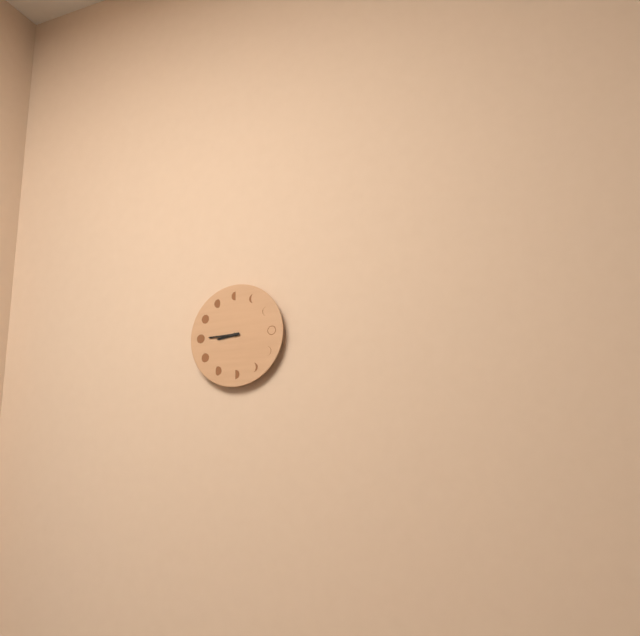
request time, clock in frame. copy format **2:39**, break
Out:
**8:45**
